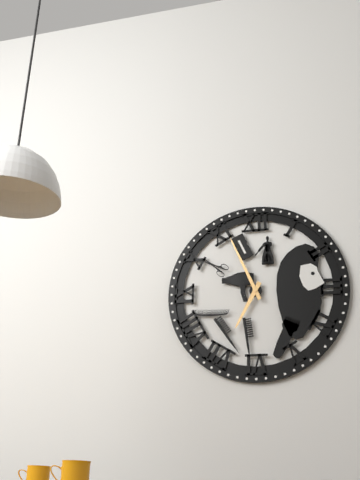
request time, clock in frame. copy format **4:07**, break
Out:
**6:56**
